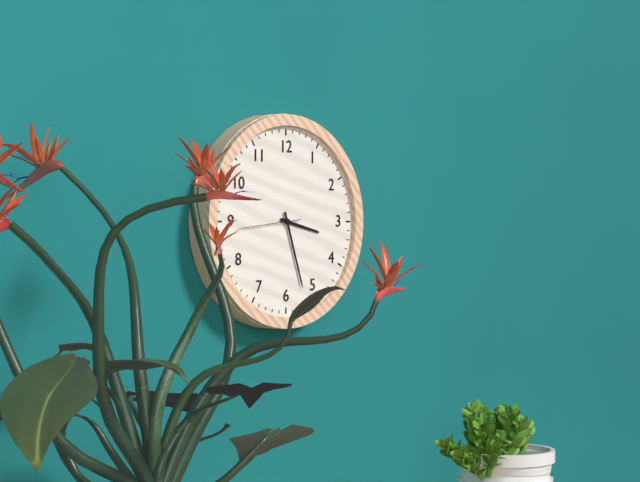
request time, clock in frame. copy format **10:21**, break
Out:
**3:27**
